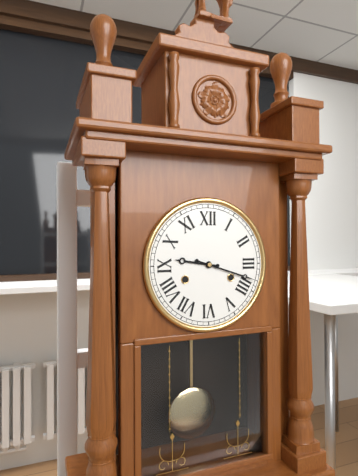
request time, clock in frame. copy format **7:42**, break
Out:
**9:18**
